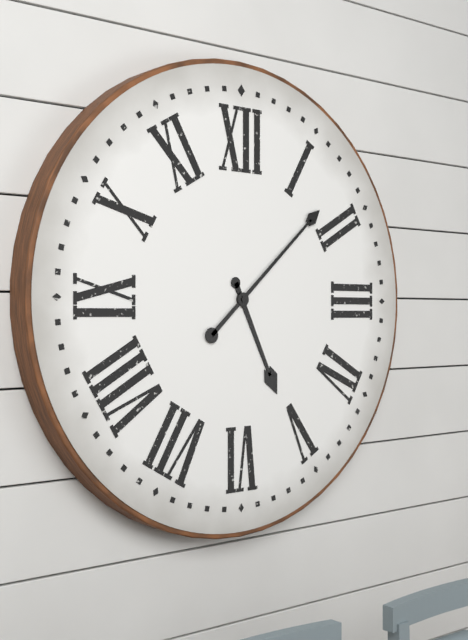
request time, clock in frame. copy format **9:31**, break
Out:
**5:08**
